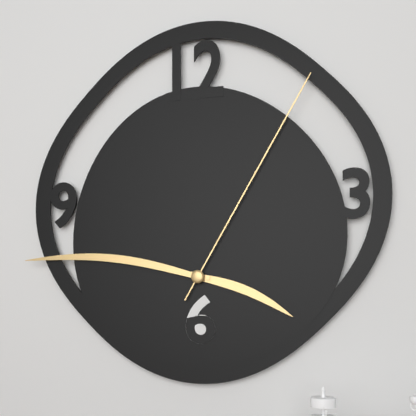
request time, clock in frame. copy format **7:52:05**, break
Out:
**3:46:05**
